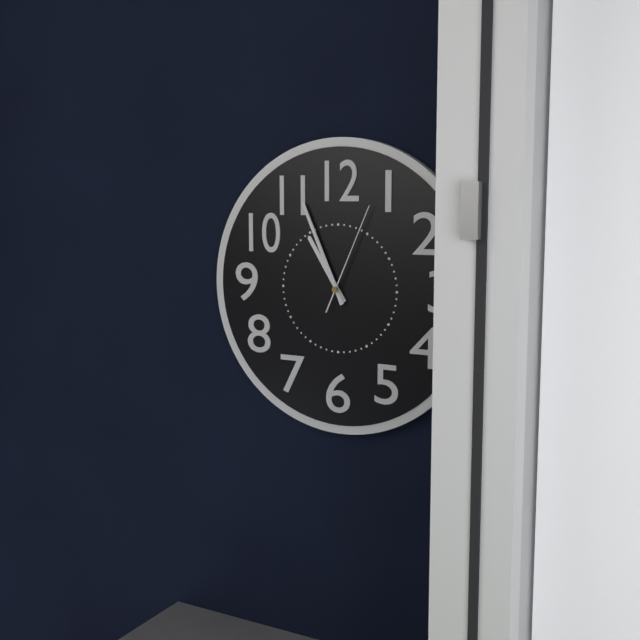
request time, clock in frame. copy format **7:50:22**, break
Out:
**10:56:04**
